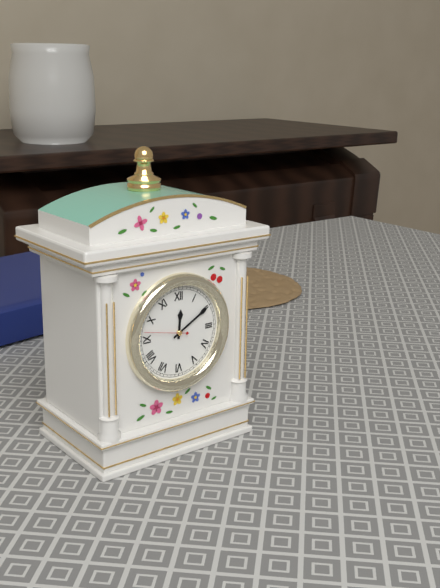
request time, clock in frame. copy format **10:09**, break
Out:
**12:10**
